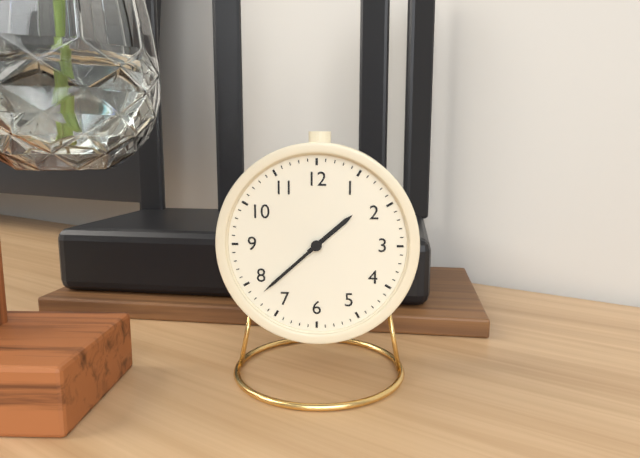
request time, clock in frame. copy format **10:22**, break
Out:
**1:38**
